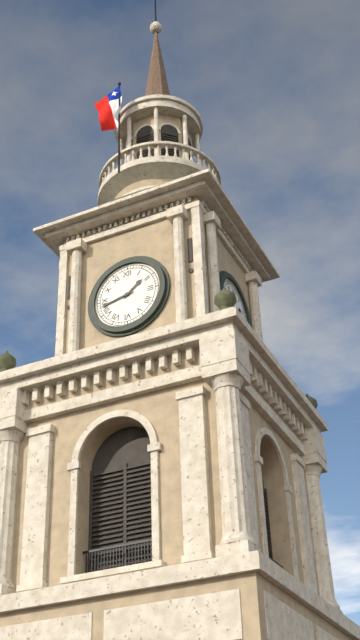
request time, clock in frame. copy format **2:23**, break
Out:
**1:43**
